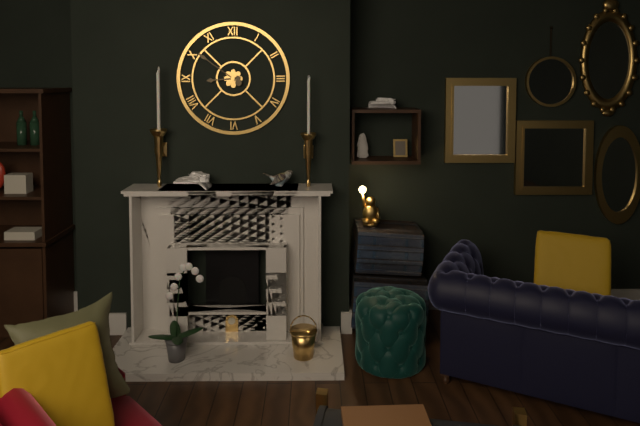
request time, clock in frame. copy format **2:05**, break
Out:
**8:51**
